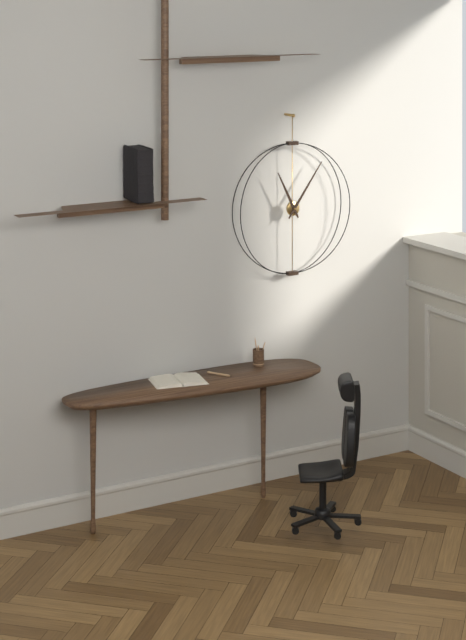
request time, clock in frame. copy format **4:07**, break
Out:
**11:06**
